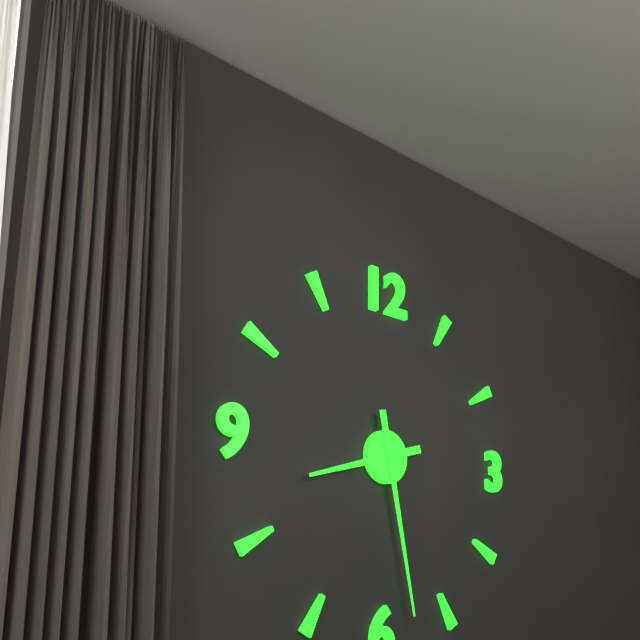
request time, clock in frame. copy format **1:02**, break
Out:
**8:28**
